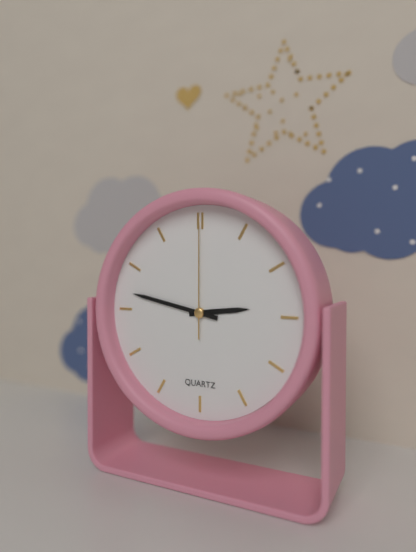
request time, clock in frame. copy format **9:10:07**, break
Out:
**2:47:00**
